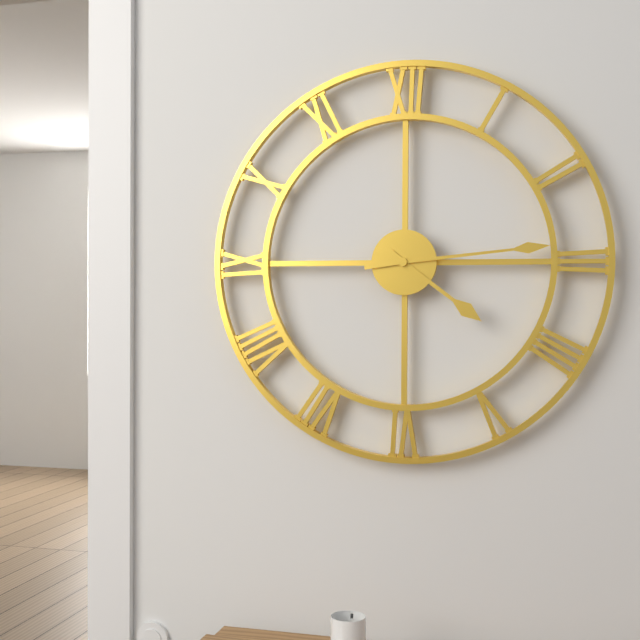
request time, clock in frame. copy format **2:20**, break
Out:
**4:14**
